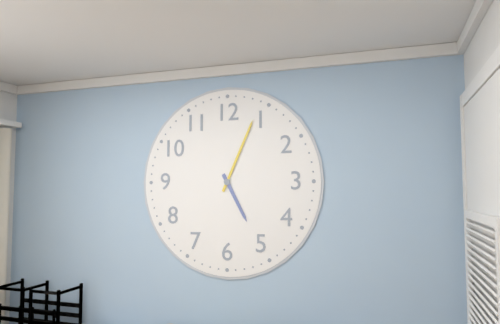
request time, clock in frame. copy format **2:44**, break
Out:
**5:04**
